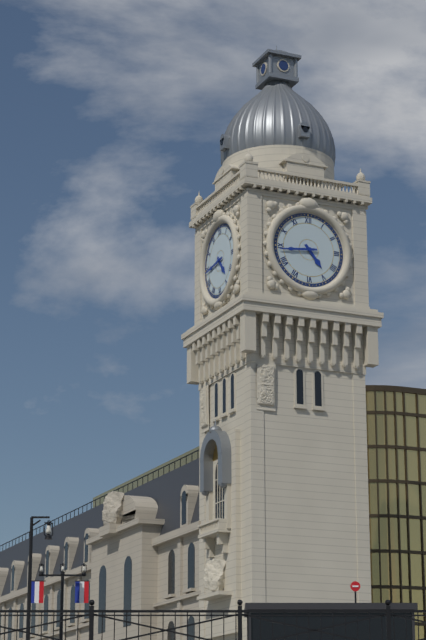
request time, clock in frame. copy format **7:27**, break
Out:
**4:44**
